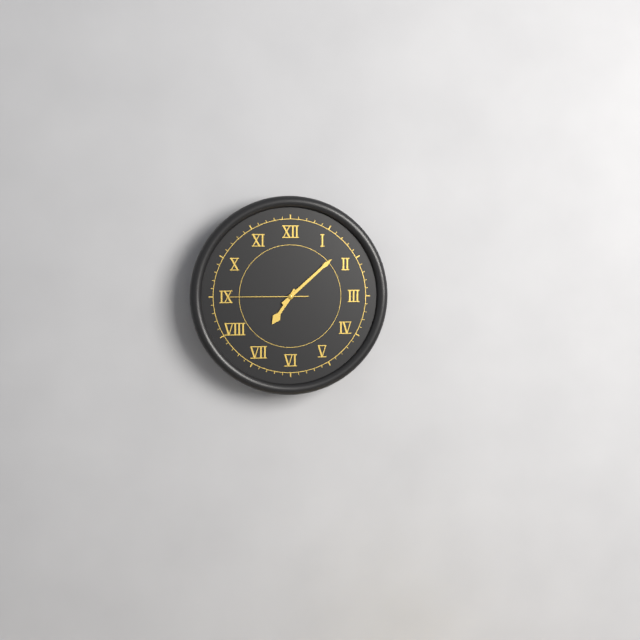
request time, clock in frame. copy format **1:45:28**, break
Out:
**7:08:45**
